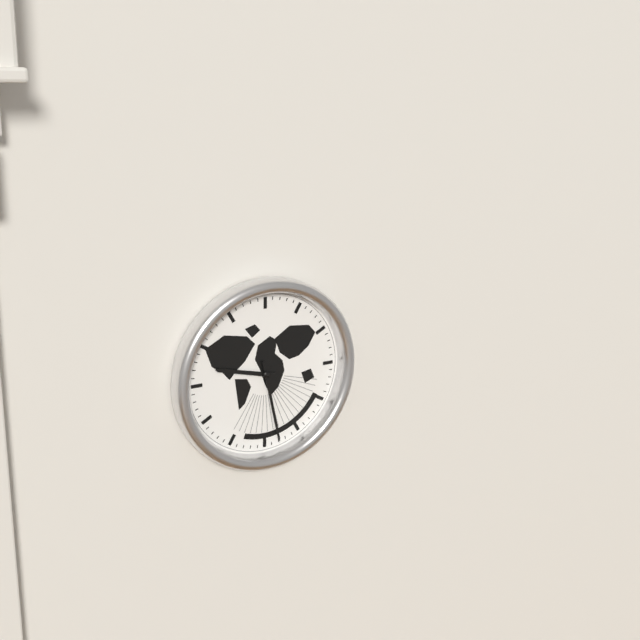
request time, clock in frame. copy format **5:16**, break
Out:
**9:28**
